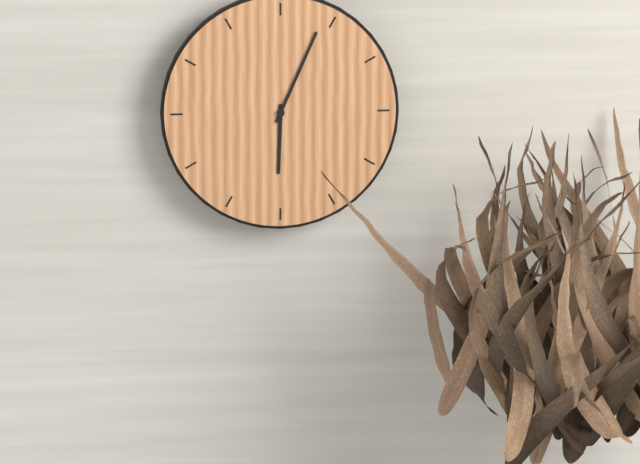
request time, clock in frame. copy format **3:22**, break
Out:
**6:04**
